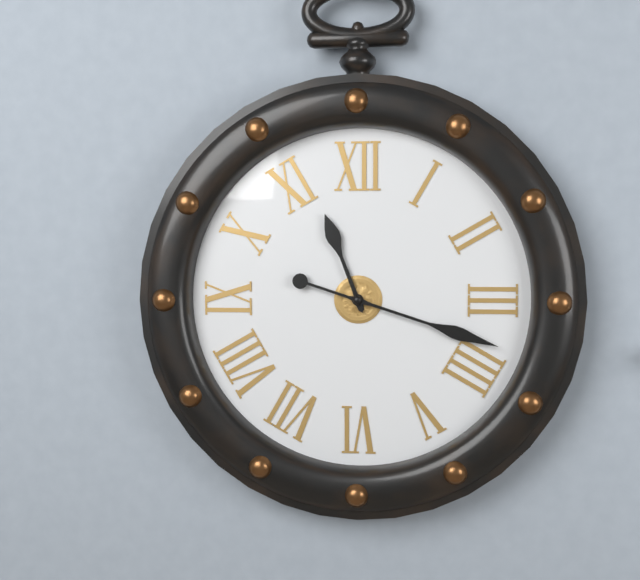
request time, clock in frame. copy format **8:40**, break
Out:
**11:18**
